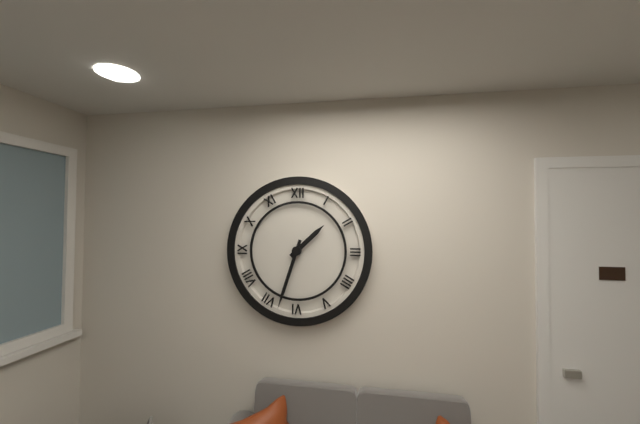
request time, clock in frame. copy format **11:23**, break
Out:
**1:33**
